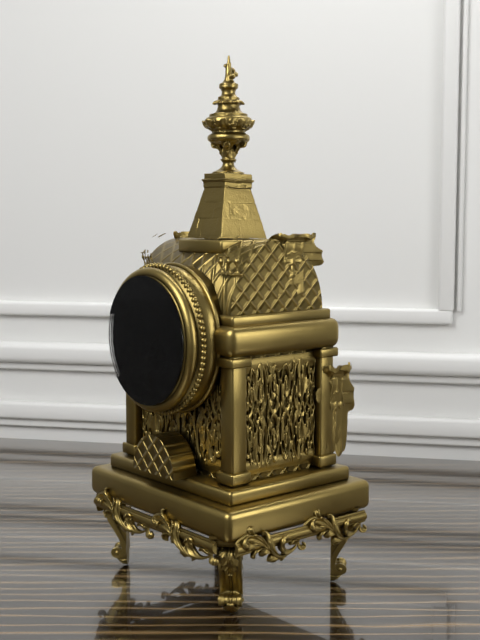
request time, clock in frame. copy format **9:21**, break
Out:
**11:52**
